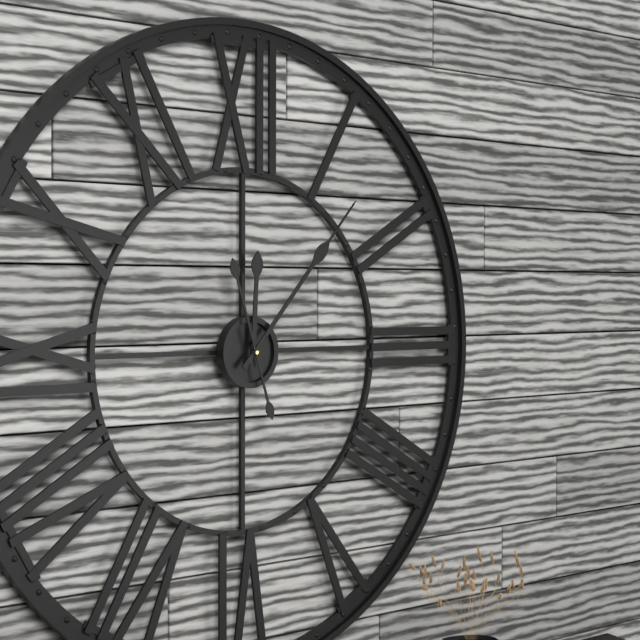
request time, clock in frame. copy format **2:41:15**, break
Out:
**12:07:57**
